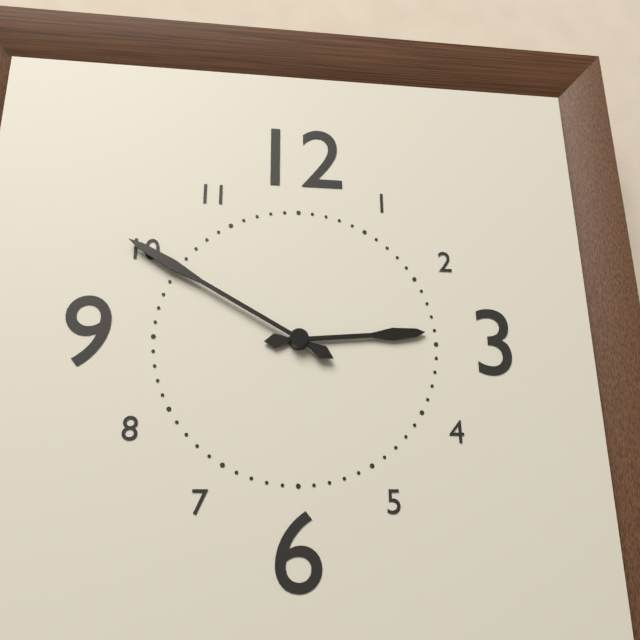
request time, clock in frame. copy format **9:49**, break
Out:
**2:50**
